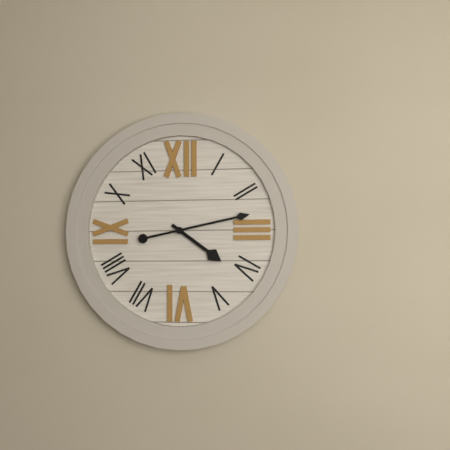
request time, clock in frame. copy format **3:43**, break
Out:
**4:13**
